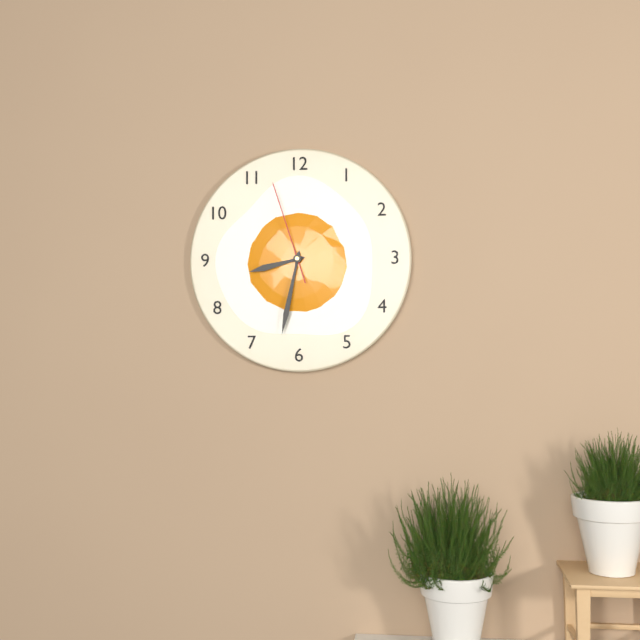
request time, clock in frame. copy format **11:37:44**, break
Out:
**8:32:57**
